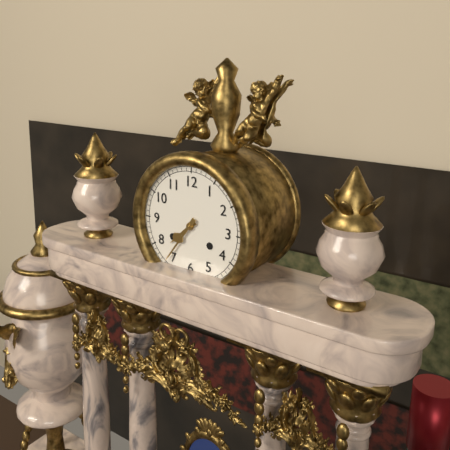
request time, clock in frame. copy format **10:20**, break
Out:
**7:36**
